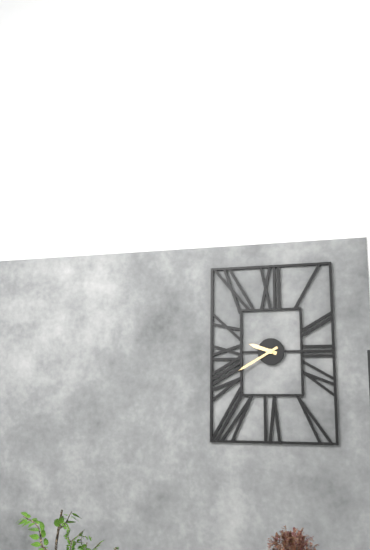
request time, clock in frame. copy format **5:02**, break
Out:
**9:40**
